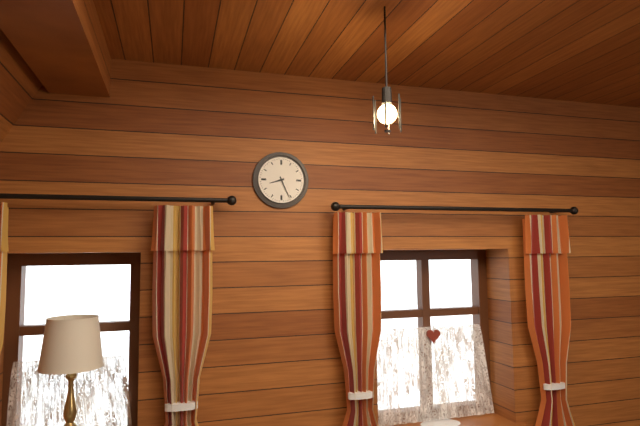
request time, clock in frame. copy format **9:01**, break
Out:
**8:26**
